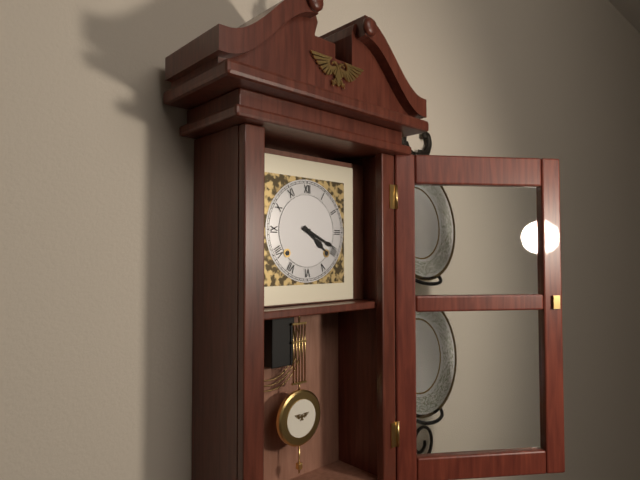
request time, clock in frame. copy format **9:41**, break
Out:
**4:19**
